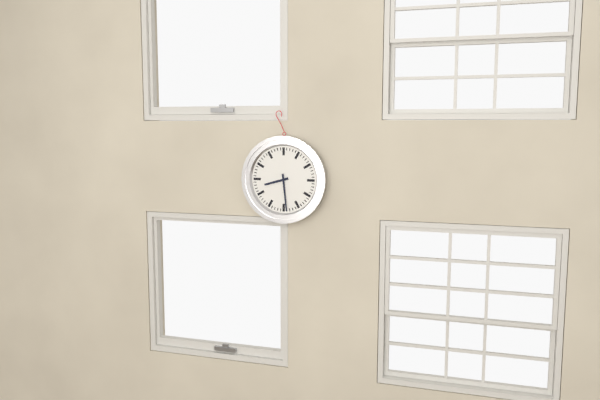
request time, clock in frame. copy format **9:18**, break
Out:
**8:29**
